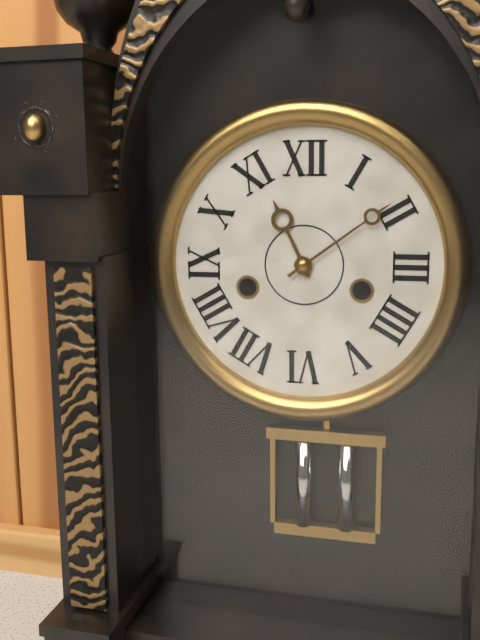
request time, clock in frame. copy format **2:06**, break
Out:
**11:09**
